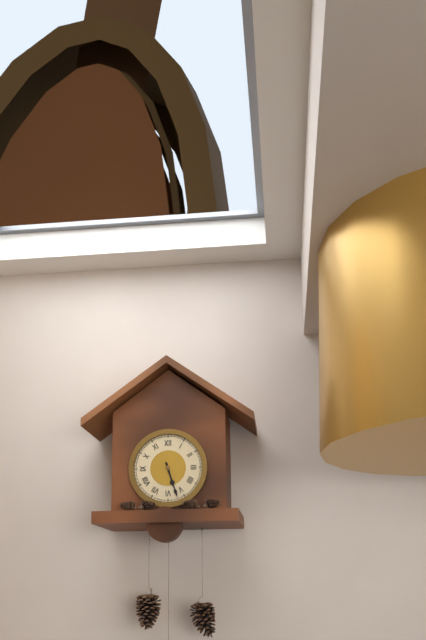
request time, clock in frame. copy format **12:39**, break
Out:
**5:27**
